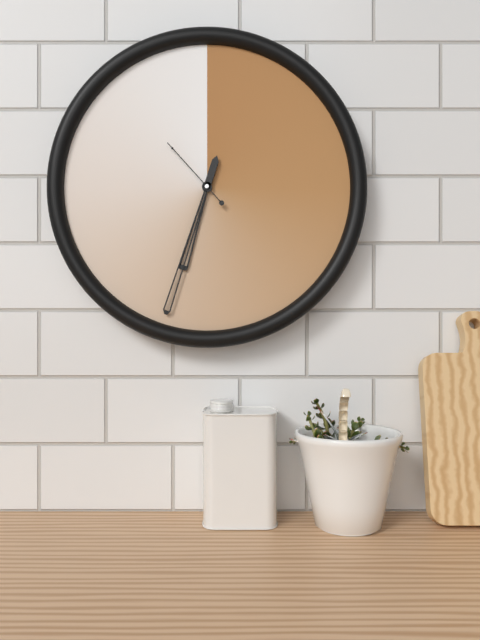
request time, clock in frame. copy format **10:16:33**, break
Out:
**6:33:53**
